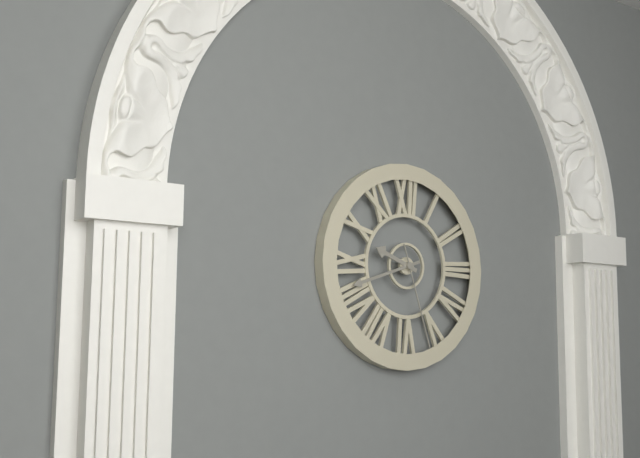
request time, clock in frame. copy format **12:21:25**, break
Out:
**9:42:27**
